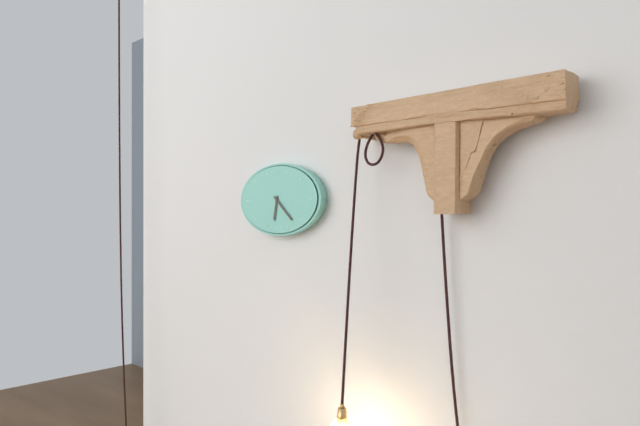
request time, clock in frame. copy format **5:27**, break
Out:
**6:22**
